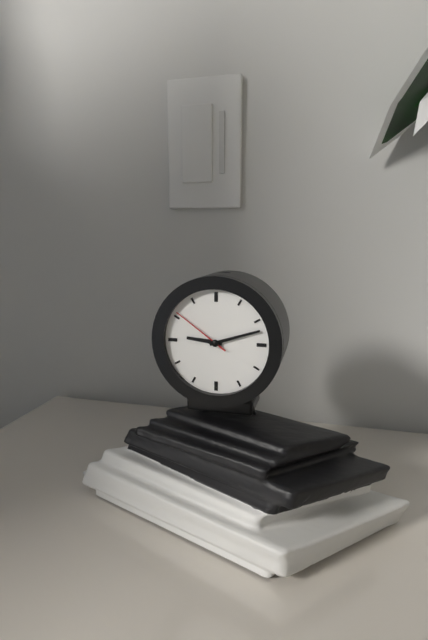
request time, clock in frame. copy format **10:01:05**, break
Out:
**9:12:51**
